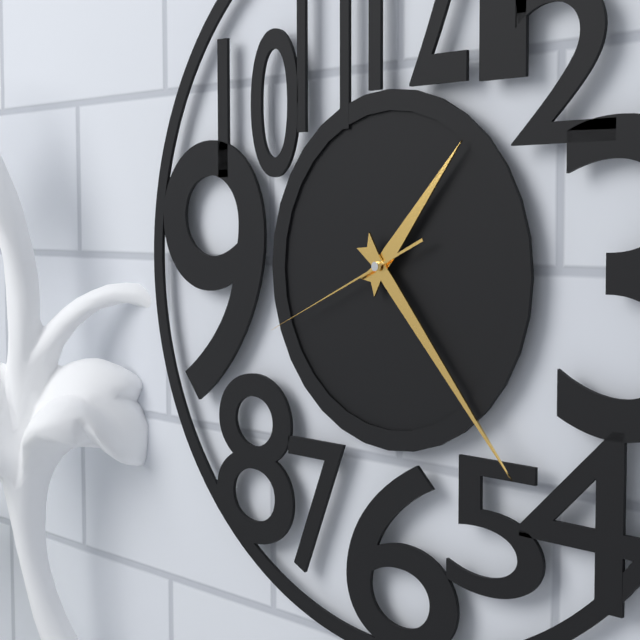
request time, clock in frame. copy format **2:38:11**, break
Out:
**1:23:41**
